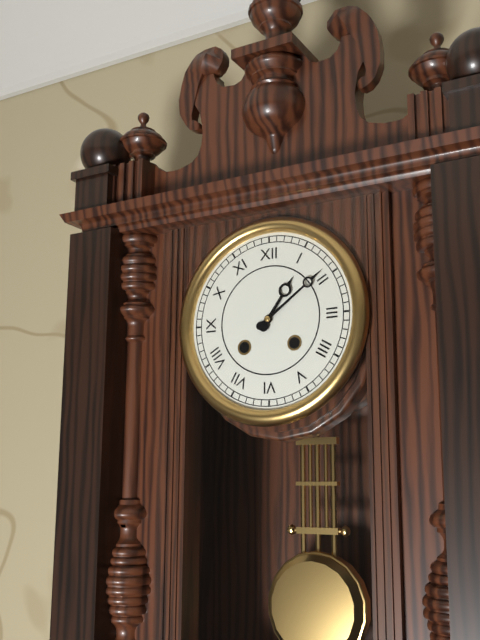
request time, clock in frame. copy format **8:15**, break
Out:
**1:09**
